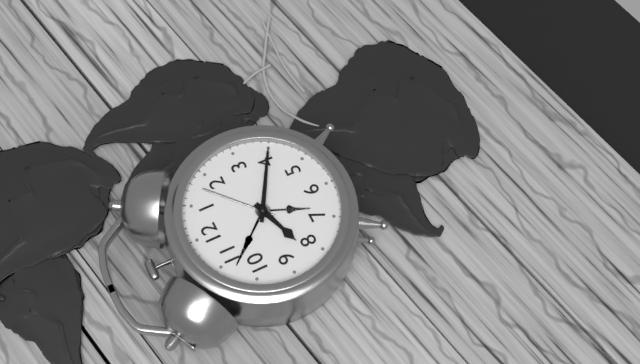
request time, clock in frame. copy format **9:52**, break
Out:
**8:20**
